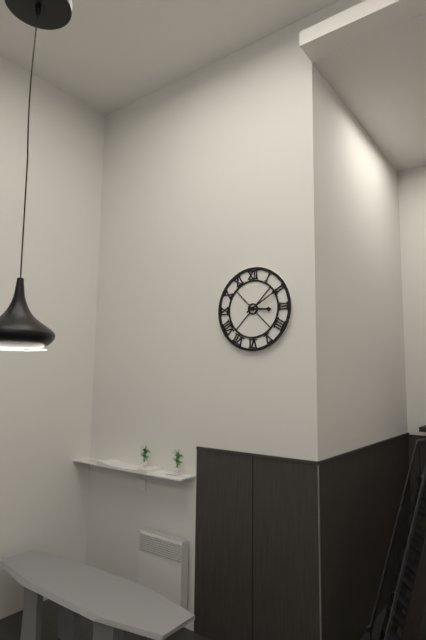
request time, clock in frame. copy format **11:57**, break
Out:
**3:10**
